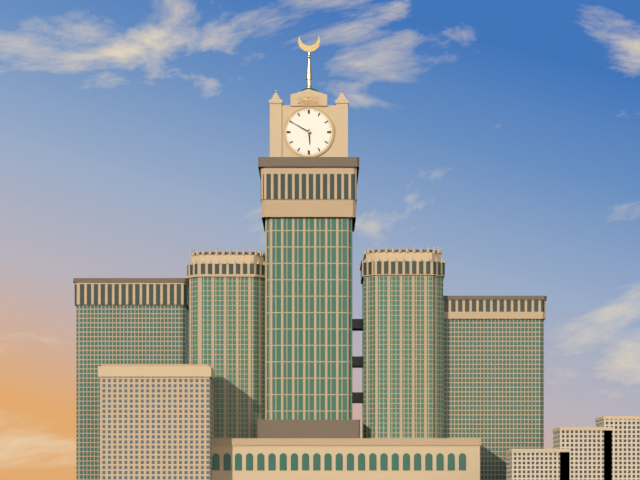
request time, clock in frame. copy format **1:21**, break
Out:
**5:50**
